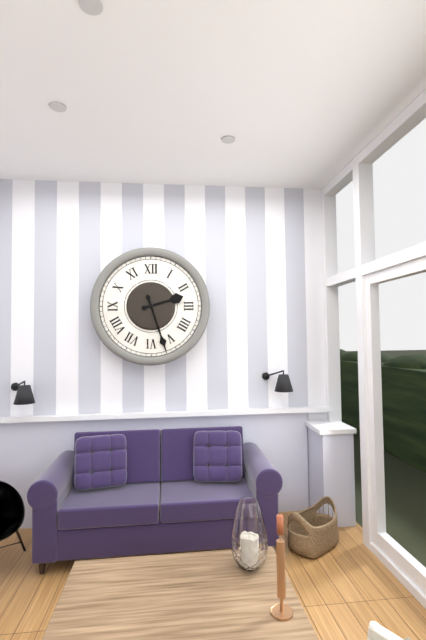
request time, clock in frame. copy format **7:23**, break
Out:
**2:27**
